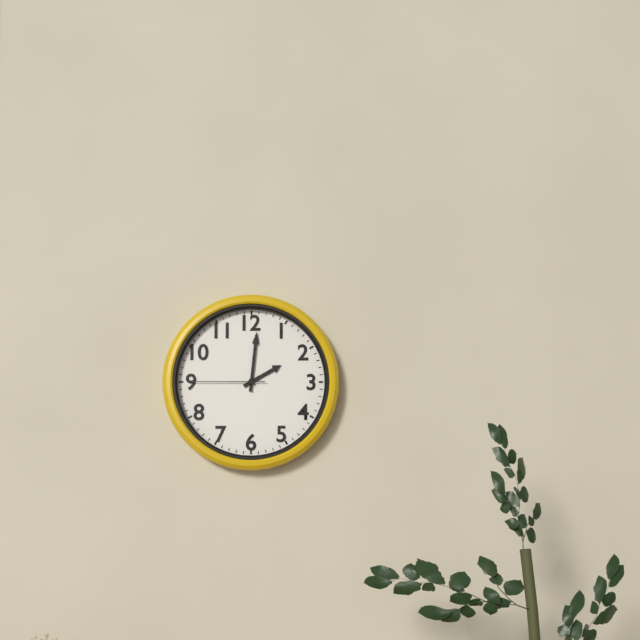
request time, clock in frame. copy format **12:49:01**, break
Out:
**2:01:45**
